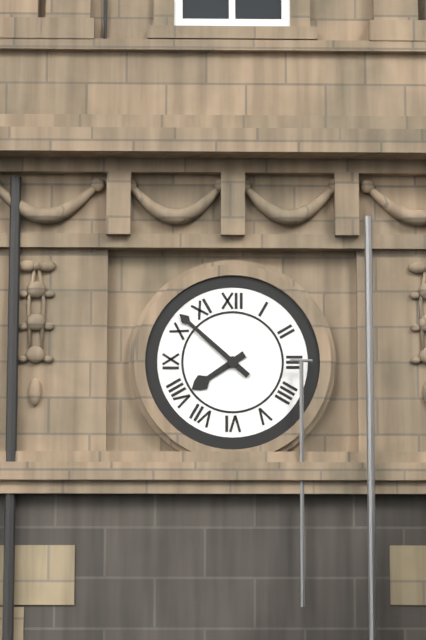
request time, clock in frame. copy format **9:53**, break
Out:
**7:52**
